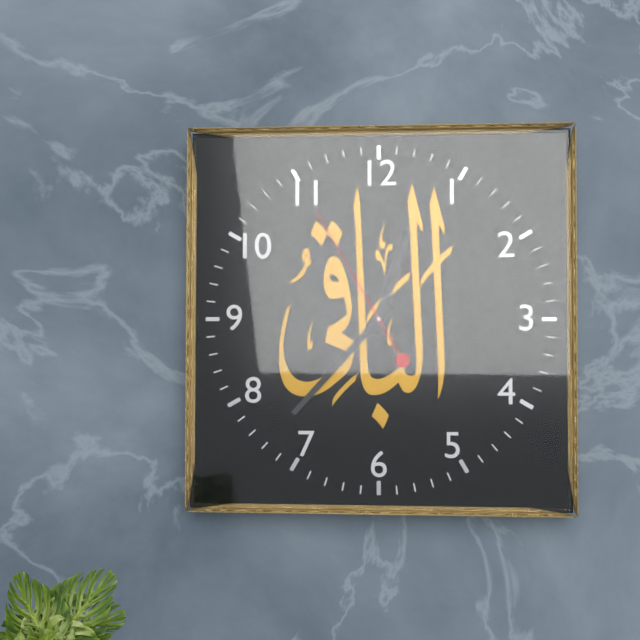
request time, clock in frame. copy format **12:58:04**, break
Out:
**12:37:55**
